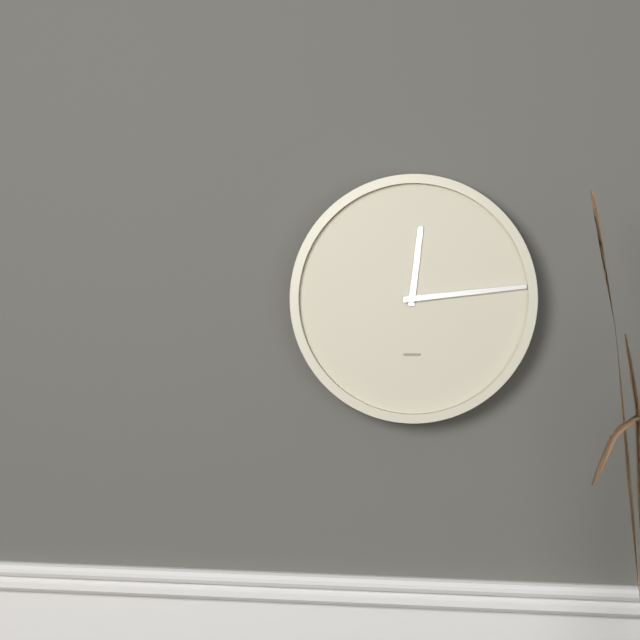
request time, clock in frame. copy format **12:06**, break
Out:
**12:14**
